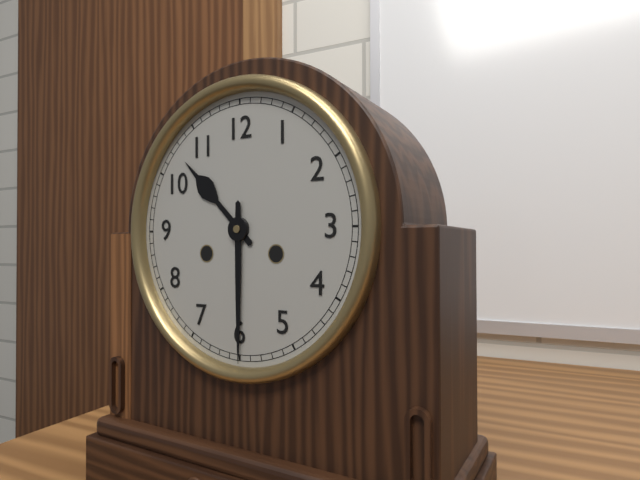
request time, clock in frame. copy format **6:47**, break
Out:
**10:30**
